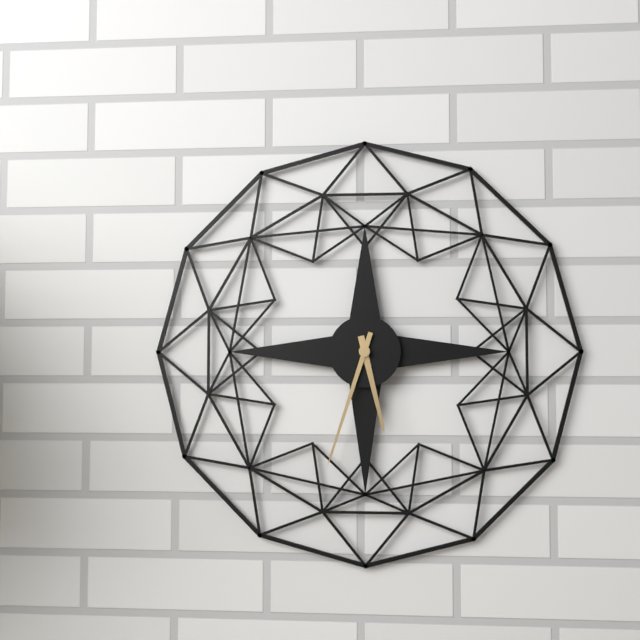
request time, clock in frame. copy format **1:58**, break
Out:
**5:33**
